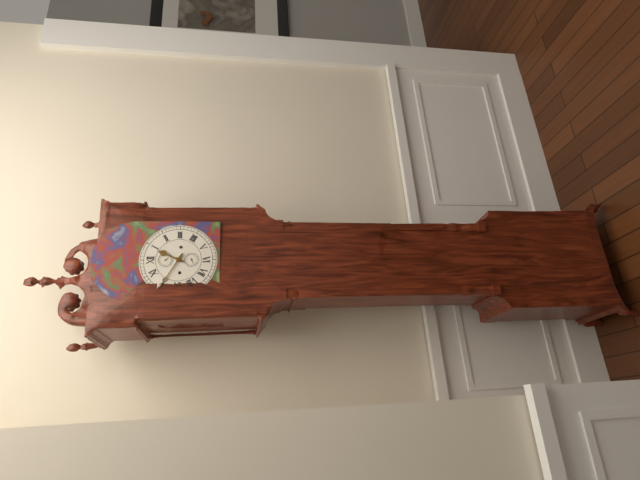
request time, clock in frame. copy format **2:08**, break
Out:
**12:50**
